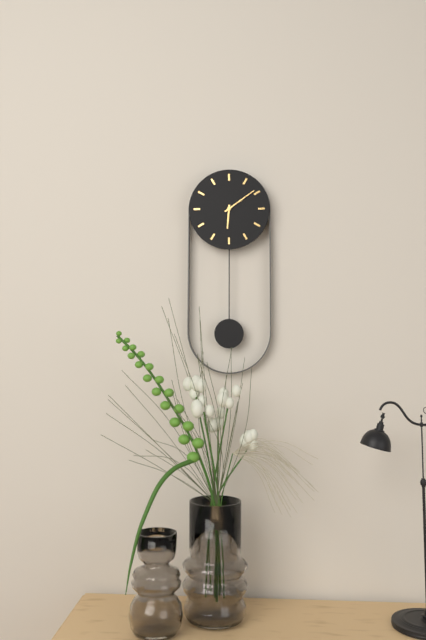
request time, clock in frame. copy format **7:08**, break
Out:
**6:09**
